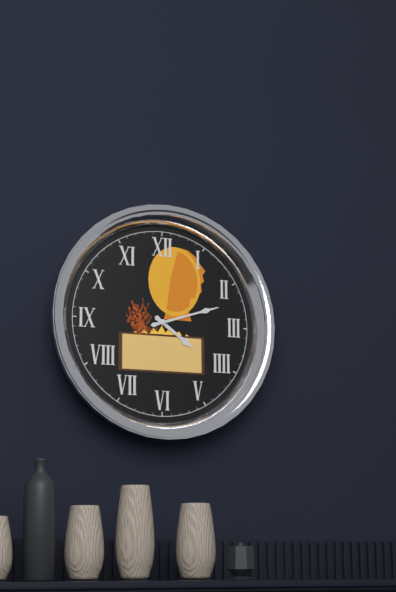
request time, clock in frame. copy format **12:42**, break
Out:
**4:12**
